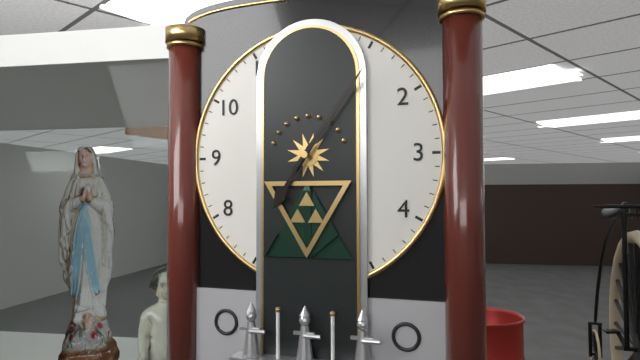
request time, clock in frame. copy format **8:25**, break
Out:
**7:06**
